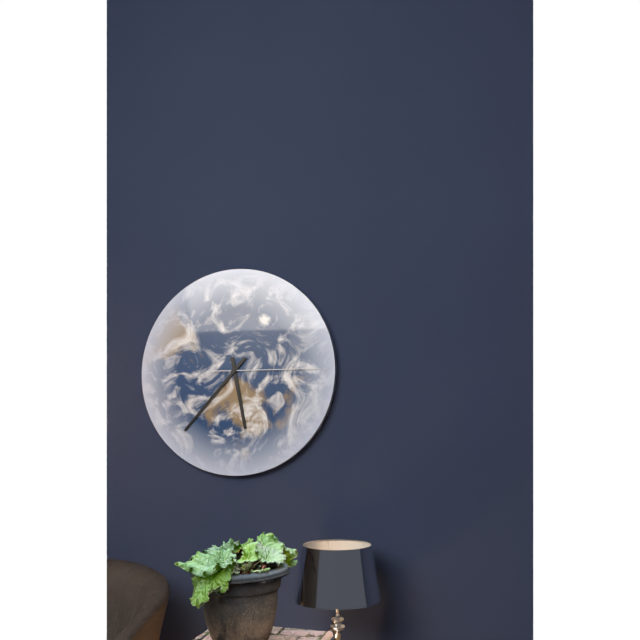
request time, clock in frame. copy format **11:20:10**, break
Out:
**5:37:15**
